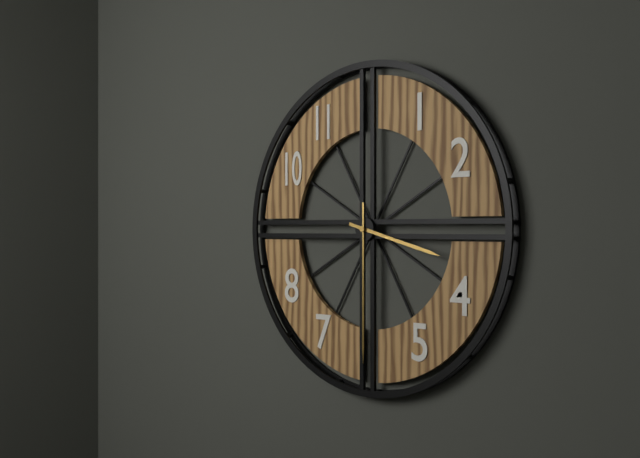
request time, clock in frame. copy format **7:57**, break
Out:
**3:30**
